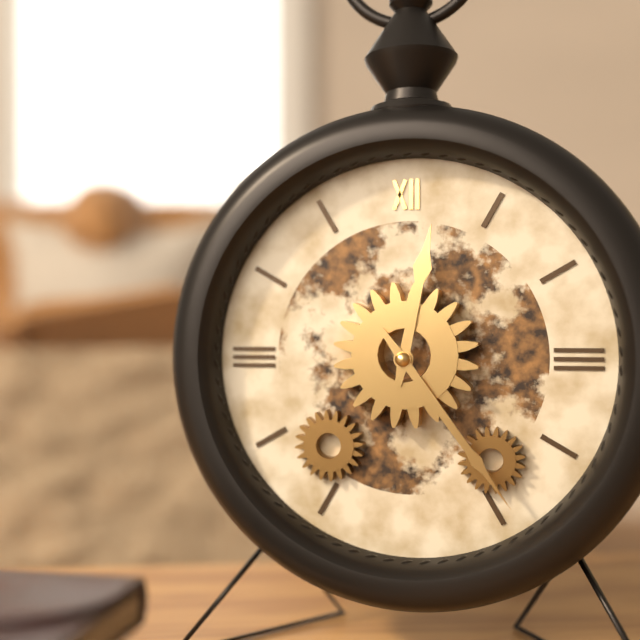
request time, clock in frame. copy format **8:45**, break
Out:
**12:24**
